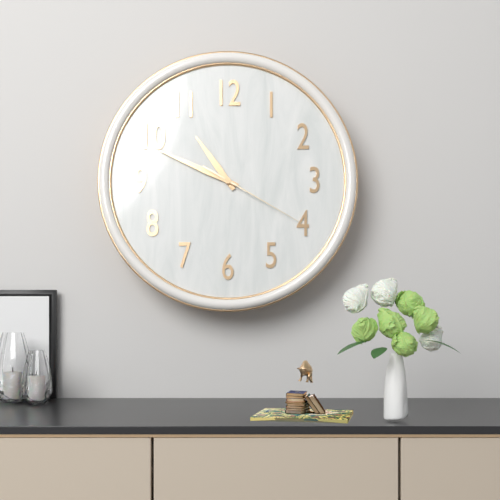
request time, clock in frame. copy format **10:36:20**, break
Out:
**10:49:20**
